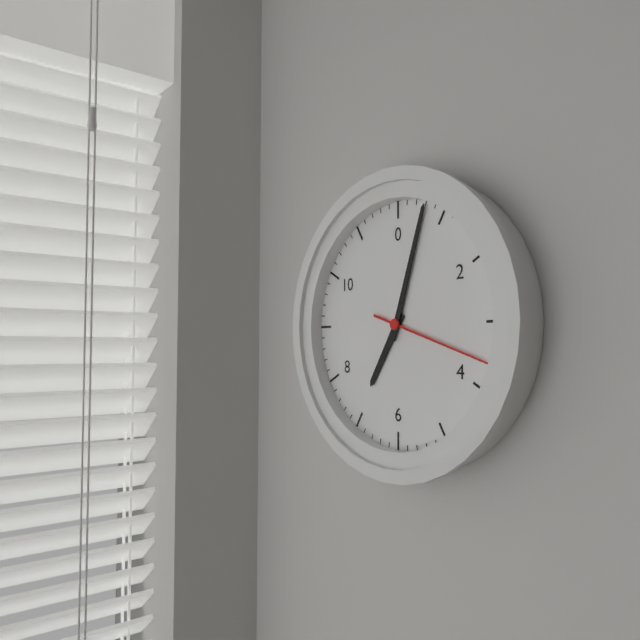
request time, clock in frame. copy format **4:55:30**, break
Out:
**7:03:18**
